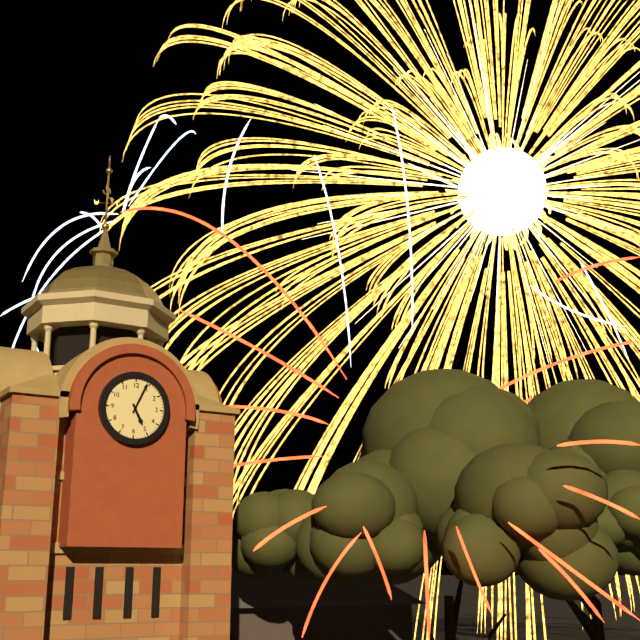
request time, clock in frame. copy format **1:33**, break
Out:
**5:04**
